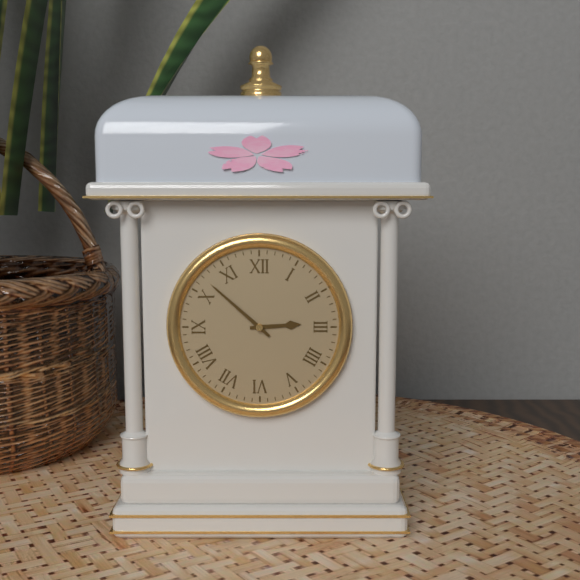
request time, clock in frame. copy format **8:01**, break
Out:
**2:52**
